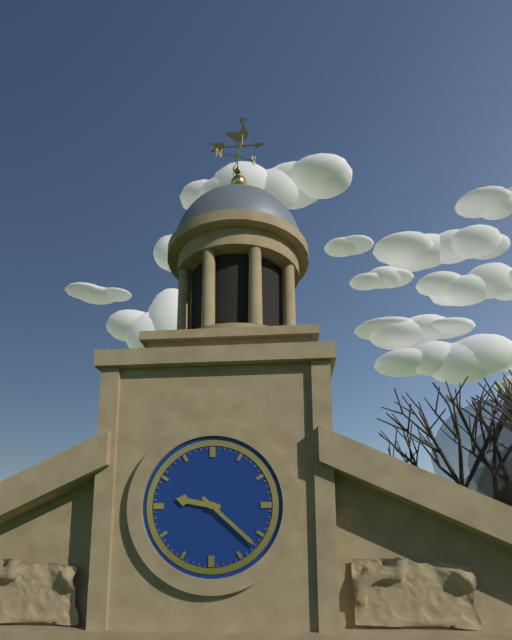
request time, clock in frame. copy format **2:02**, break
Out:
**9:22**
